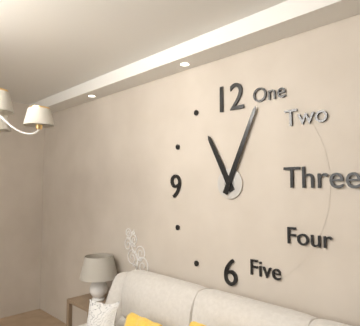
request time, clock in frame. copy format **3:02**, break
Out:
**11:04**
